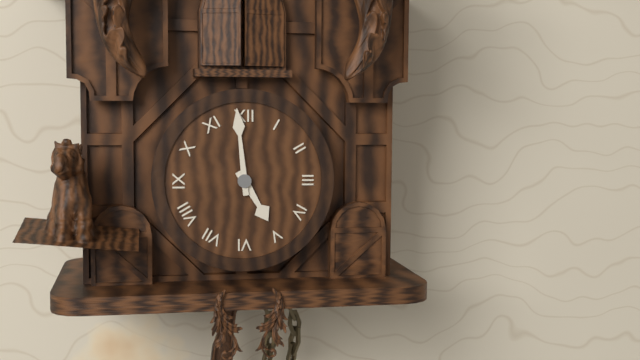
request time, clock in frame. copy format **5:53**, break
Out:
**4:59**
